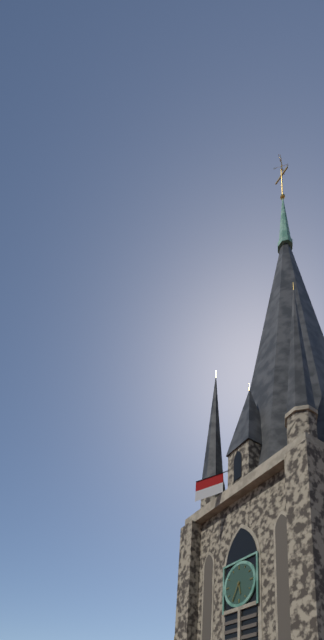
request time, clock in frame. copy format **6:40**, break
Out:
**5:35**
